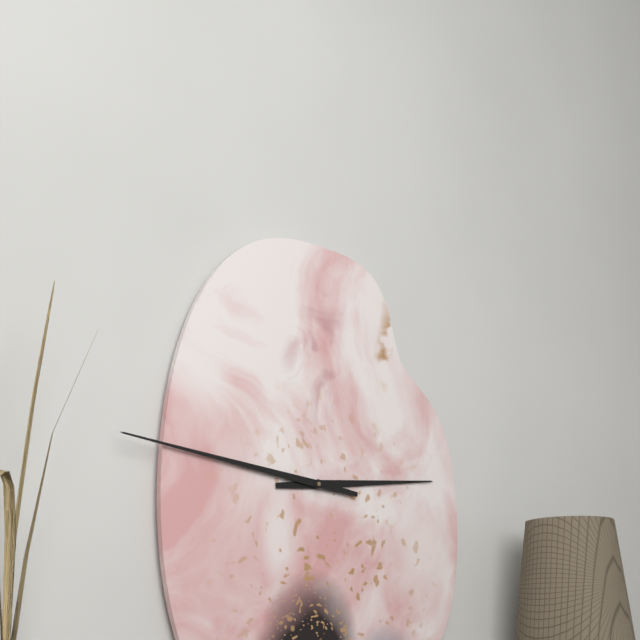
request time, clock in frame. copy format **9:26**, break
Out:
**2:46**
